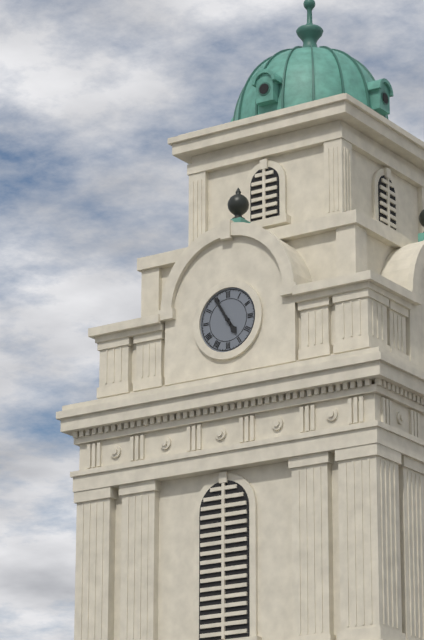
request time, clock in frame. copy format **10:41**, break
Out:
**4:55**
